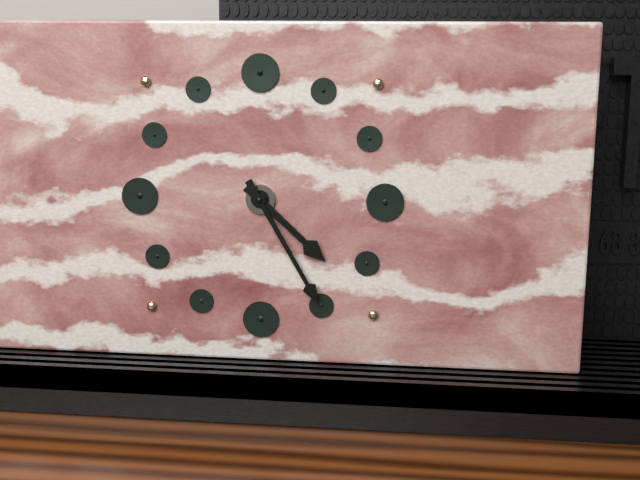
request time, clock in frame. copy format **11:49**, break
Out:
**4:25**
